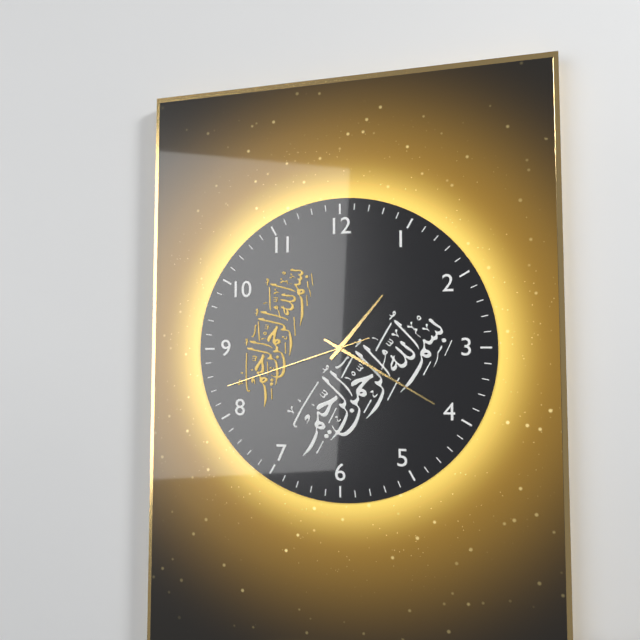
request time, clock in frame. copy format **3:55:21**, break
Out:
**1:20:42**
